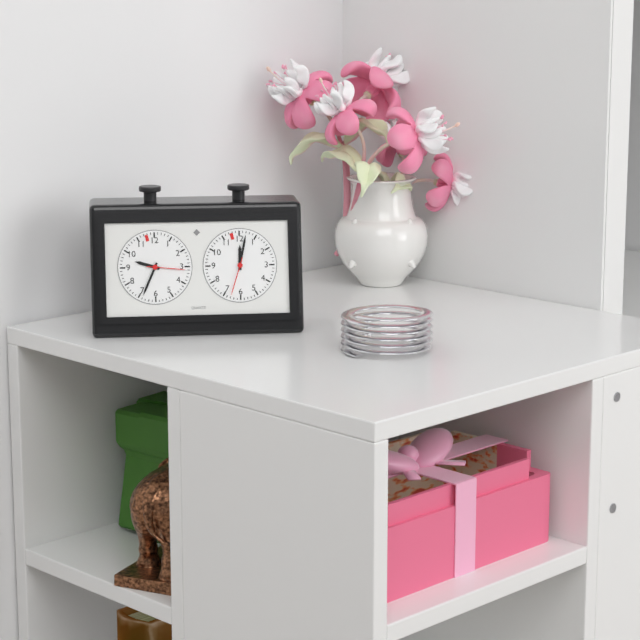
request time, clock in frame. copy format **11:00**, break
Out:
**9:34**
